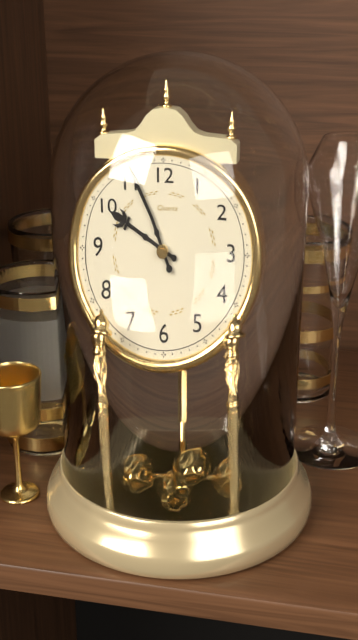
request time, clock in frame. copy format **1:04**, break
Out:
**9:56**
